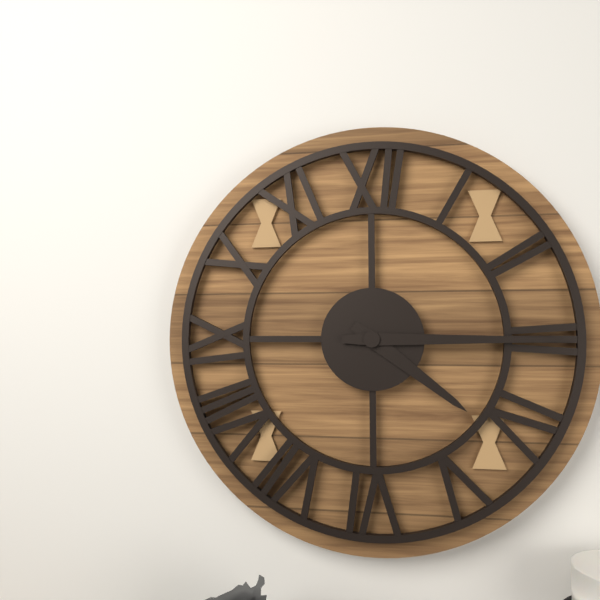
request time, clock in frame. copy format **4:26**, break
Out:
**4:15**
